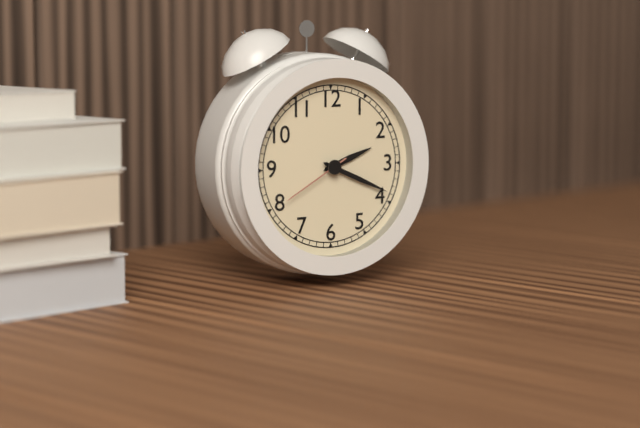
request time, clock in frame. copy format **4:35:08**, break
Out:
**2:19:40**
